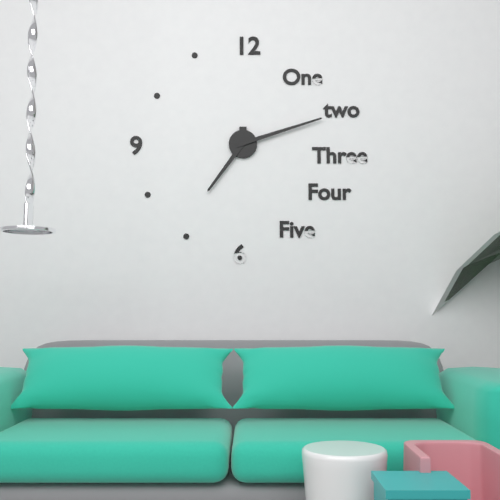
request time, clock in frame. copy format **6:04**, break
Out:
**7:12**
